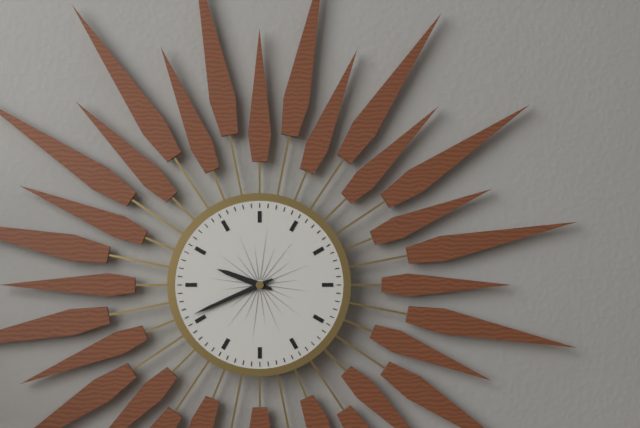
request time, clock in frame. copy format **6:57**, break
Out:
**9:41**
